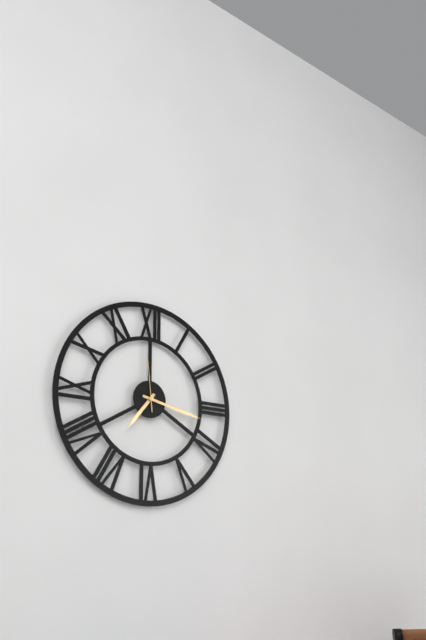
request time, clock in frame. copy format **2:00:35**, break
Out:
**7:17:59**
